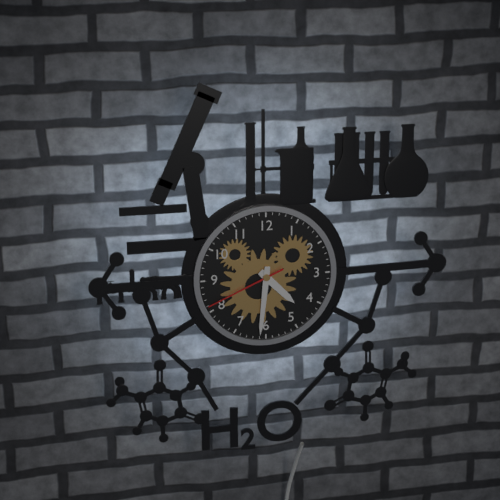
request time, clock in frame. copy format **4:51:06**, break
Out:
**4:31:41**
